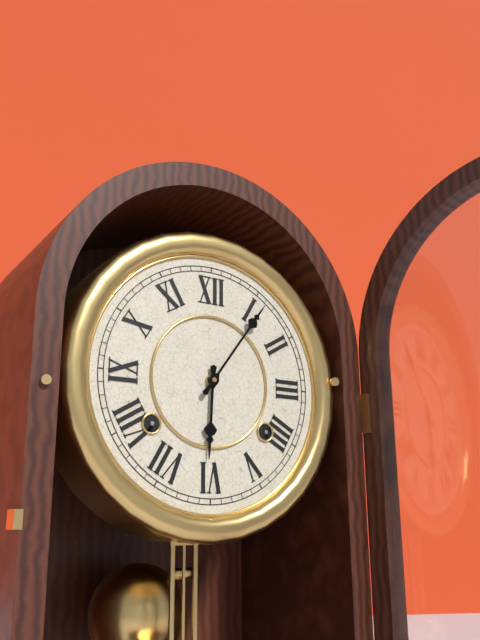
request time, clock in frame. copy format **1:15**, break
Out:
**6:06**
